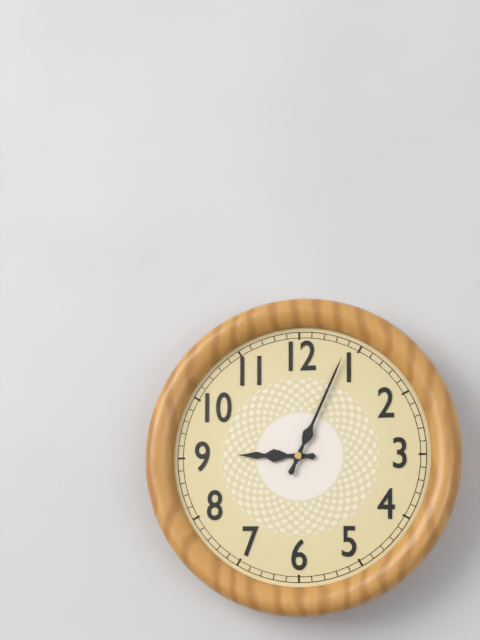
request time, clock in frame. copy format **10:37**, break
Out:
**9:04**
